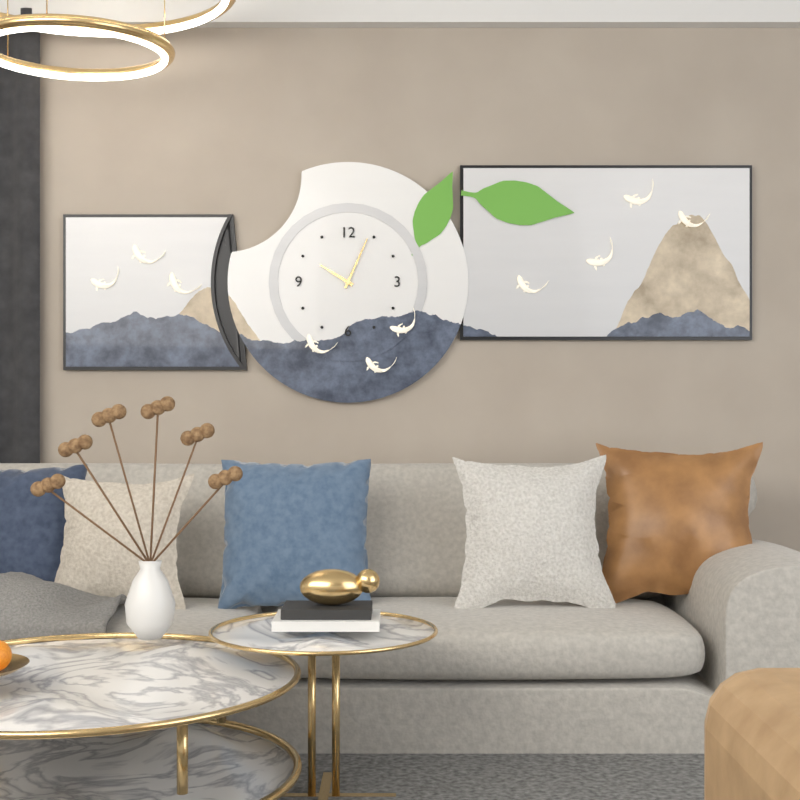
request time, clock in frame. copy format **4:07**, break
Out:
**10:04**
